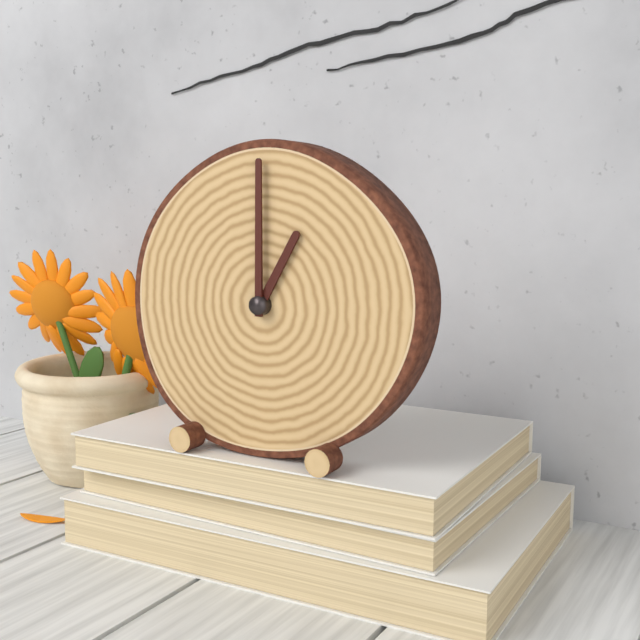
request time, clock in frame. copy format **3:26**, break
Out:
**1:00**
